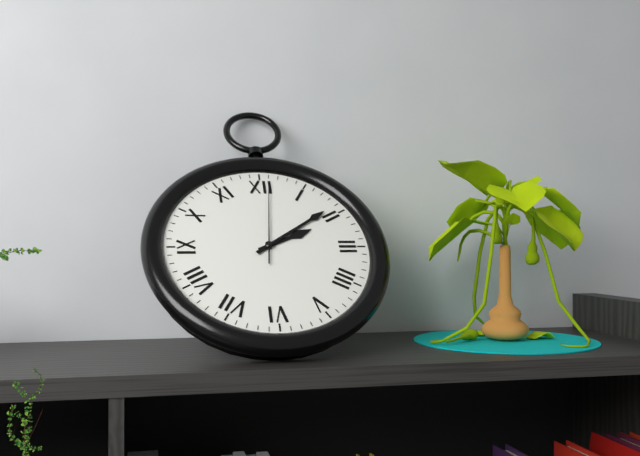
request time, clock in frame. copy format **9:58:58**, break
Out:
**2:09:01**
